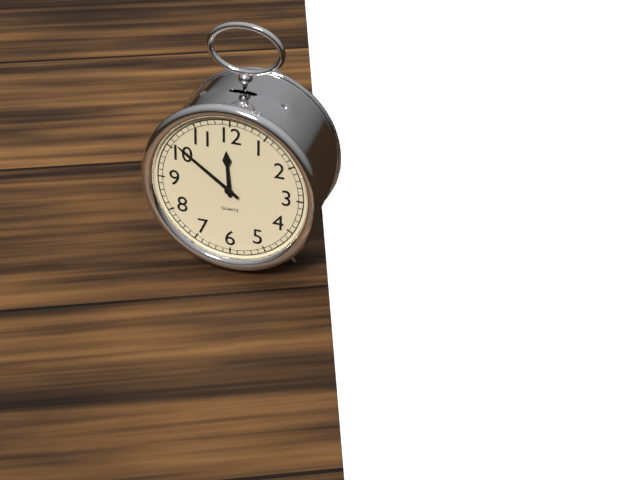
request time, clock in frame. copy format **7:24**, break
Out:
**11:51**
